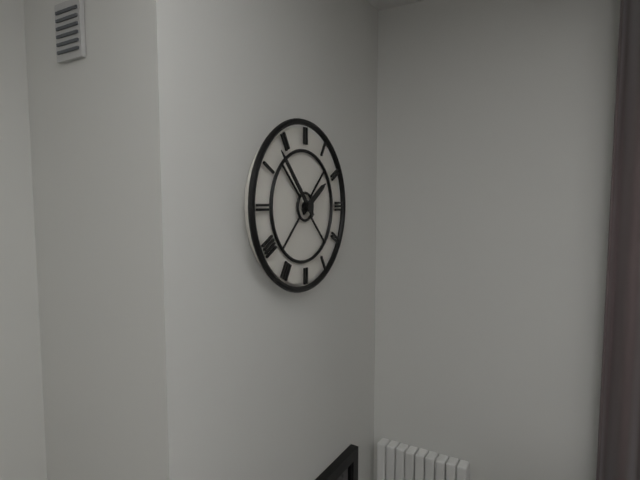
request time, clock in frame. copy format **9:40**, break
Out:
**1:53**
